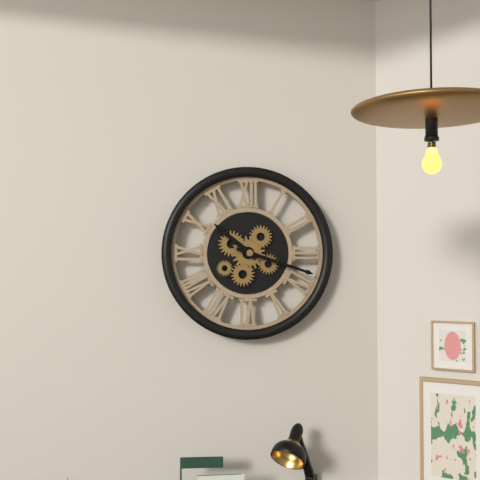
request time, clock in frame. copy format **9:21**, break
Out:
**10:18**
